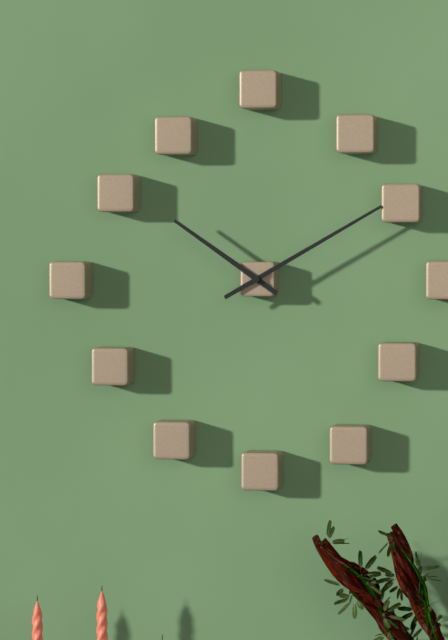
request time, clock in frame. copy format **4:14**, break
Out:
**10:10**
